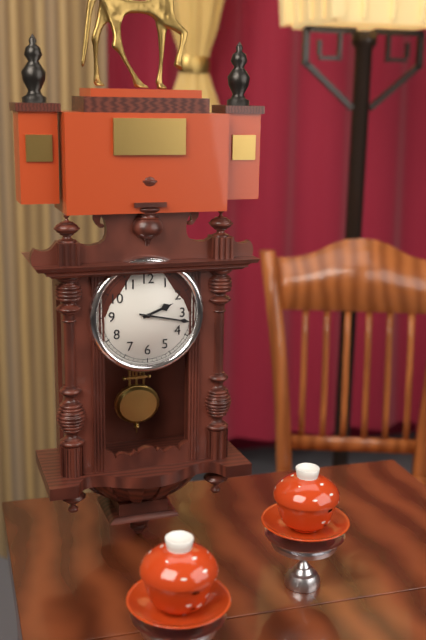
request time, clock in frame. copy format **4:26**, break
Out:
**2:17**
